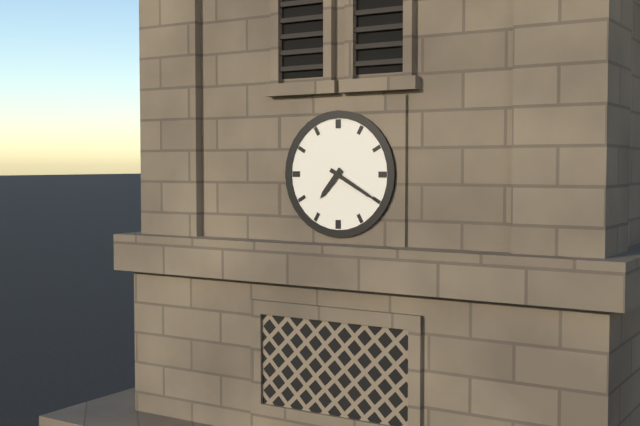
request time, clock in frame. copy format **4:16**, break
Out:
**7:20**
